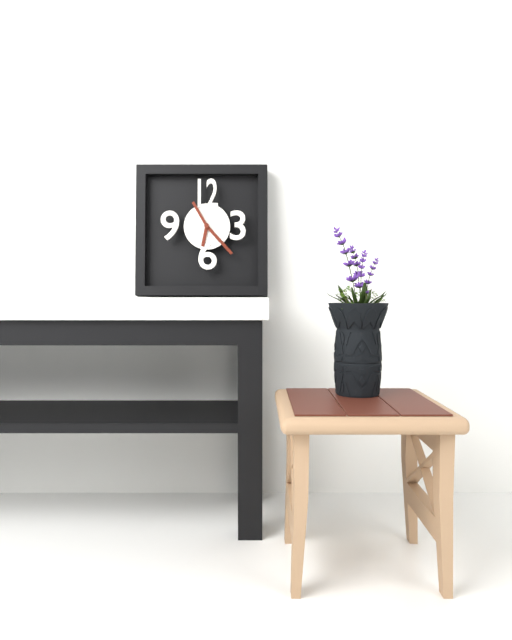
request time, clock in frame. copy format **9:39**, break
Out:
**6:23**
